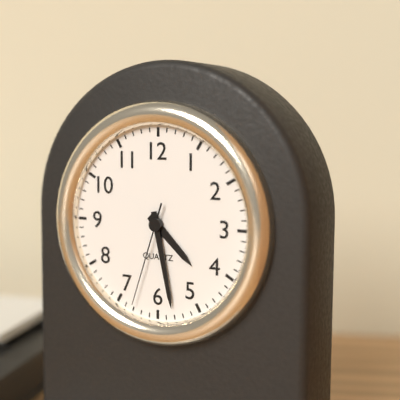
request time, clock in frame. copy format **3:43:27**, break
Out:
**4:28:33**
